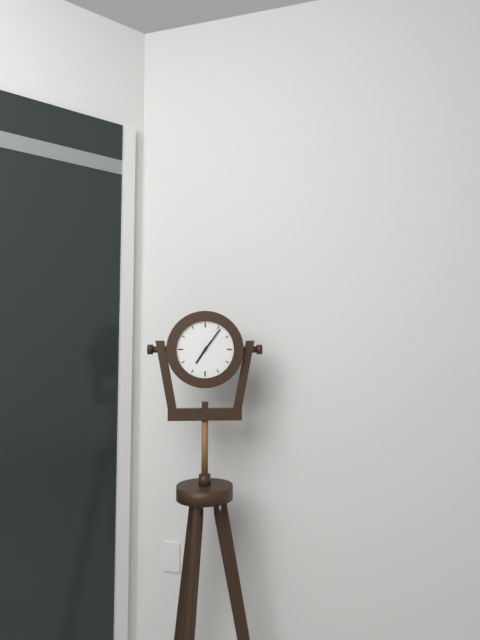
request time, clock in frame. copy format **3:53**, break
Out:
**7:06**
